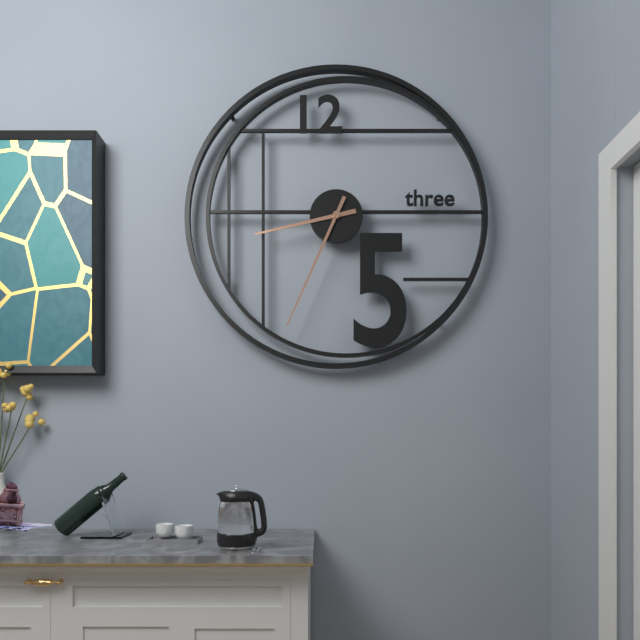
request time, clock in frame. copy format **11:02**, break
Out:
**8:34**
